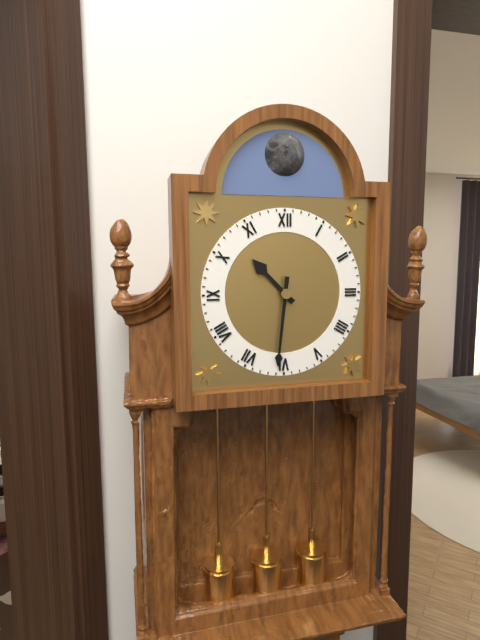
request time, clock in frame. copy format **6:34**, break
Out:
**10:31**
